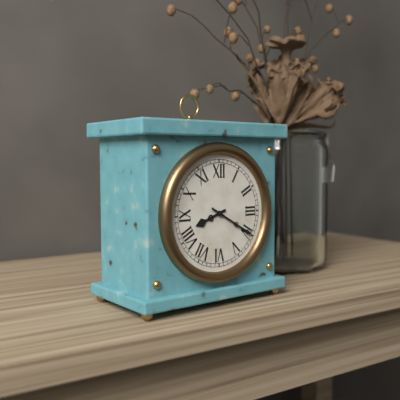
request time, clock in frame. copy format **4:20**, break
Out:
**8:20**
